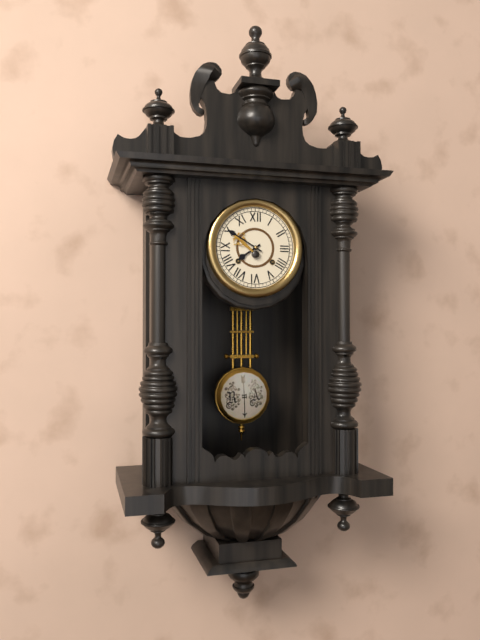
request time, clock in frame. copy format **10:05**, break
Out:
**7:50**
